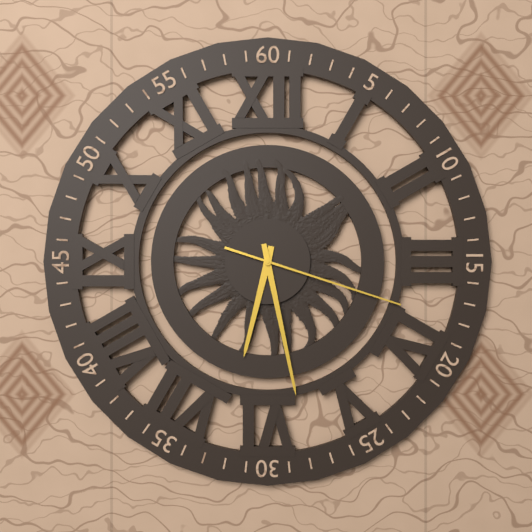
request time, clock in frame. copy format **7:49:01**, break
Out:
**6:28:18**
